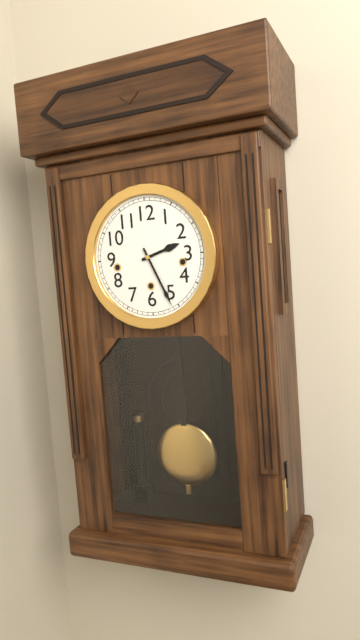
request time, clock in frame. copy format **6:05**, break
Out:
**2:26**
